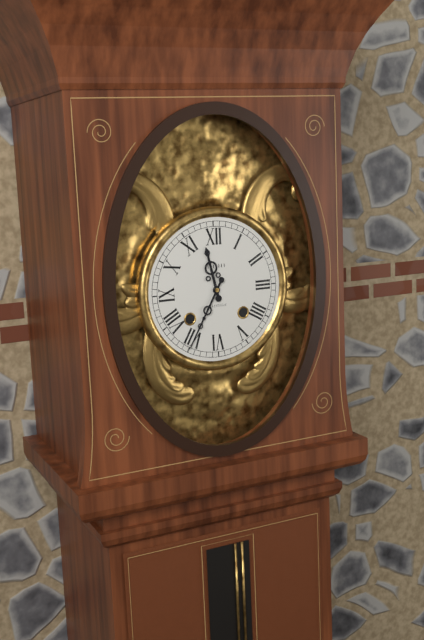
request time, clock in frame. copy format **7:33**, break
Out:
**11:35**
